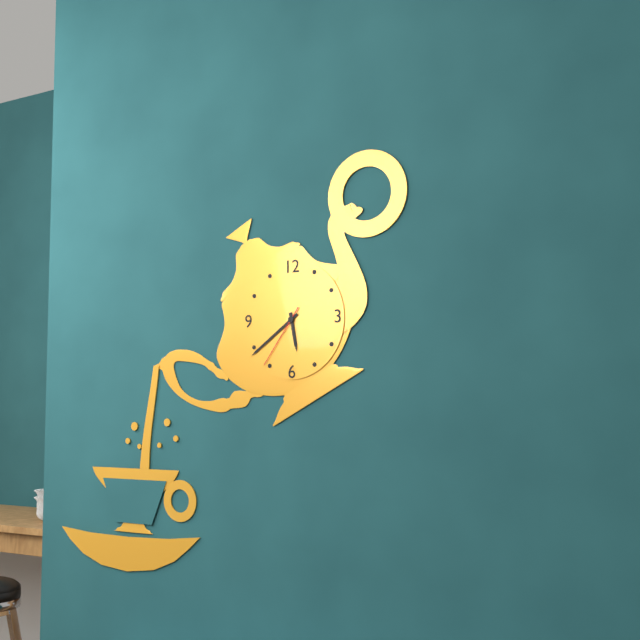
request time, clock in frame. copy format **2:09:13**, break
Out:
**5:39:36**
